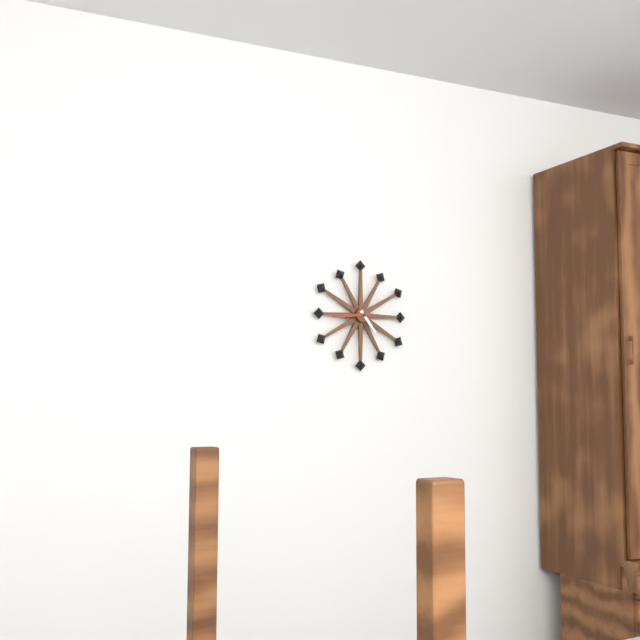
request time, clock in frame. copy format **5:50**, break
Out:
**4:44**
